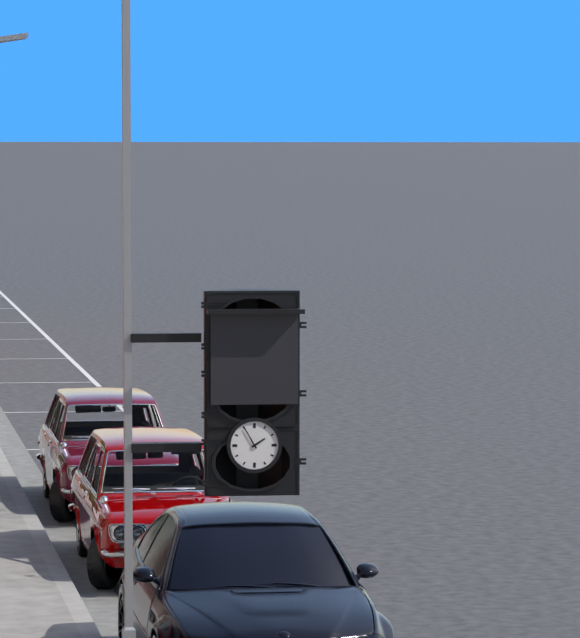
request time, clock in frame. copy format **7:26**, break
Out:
**1:55**
